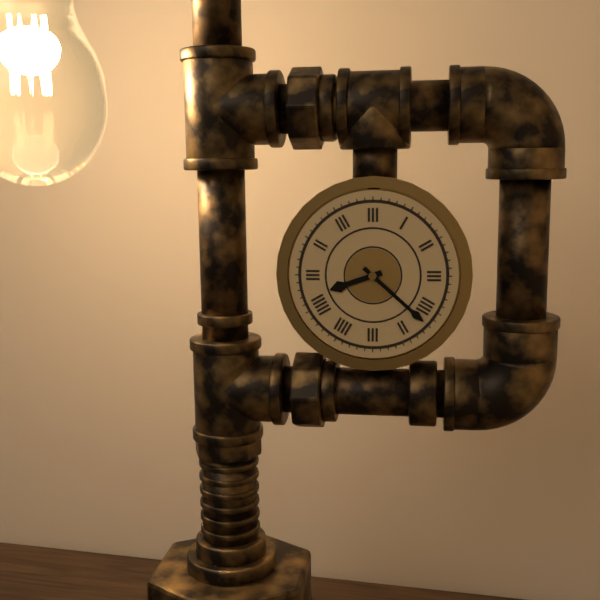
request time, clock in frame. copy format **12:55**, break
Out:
**8:22**
